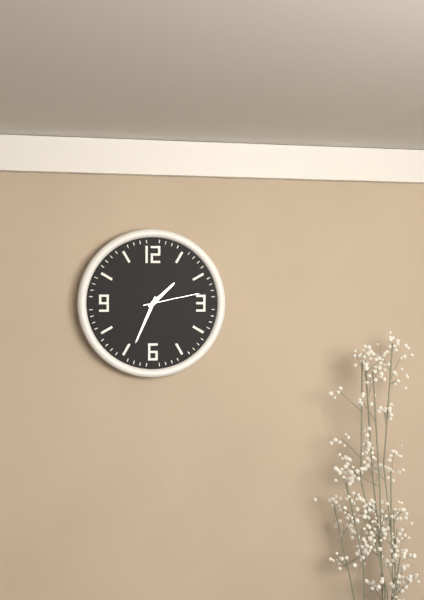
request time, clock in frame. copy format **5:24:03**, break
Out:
**1:34:13**
